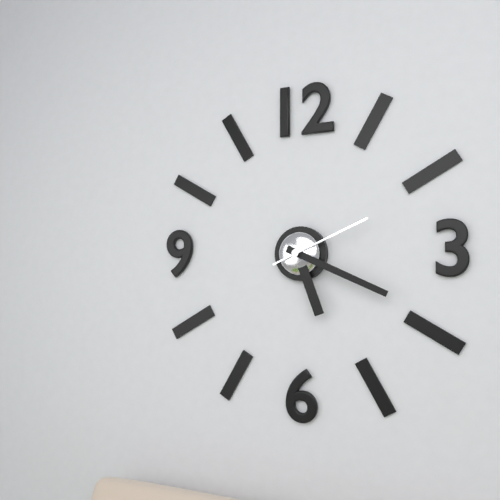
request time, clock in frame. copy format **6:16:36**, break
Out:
**5:19:11**
